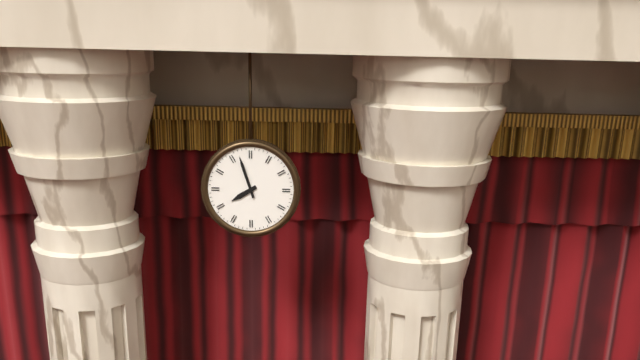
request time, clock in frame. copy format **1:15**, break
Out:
**7:57**
